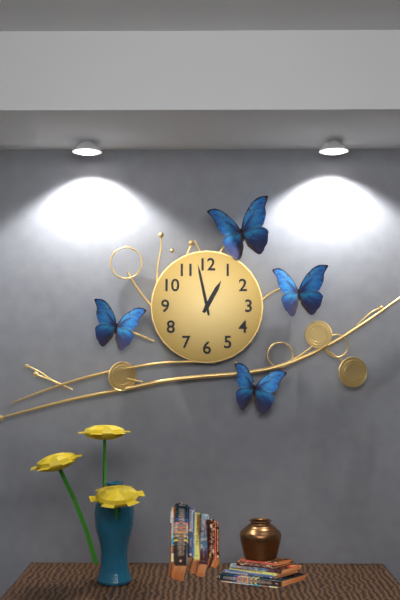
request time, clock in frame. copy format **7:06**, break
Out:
**12:58**
